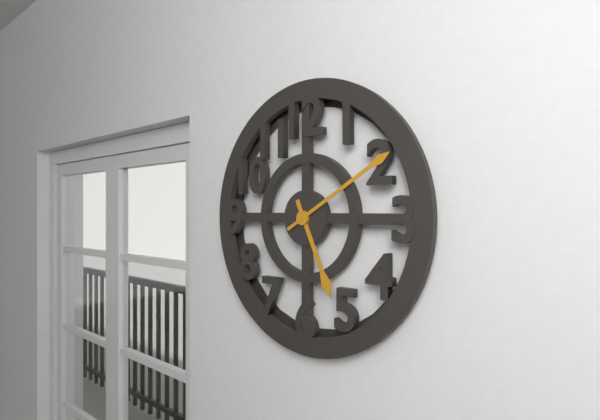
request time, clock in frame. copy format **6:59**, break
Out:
**5:10**
